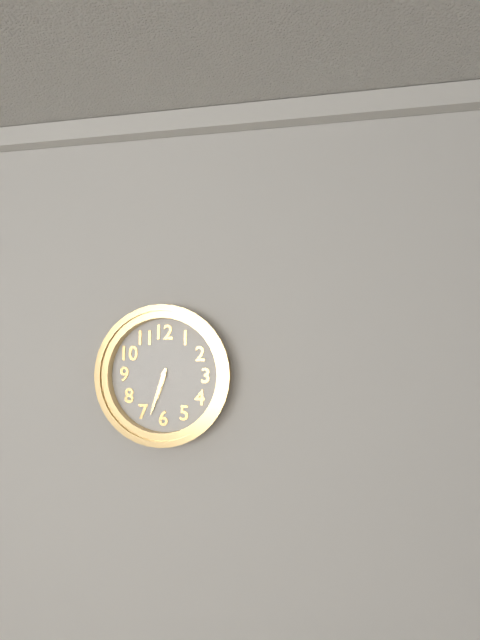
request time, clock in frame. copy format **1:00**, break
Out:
**6:33**
